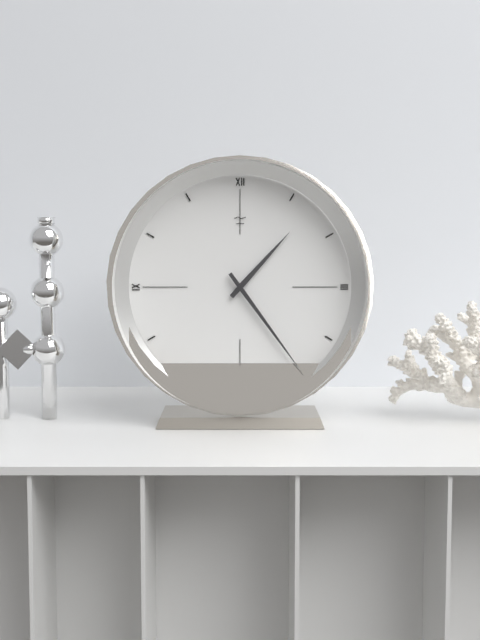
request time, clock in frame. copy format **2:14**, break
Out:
**1:24**
